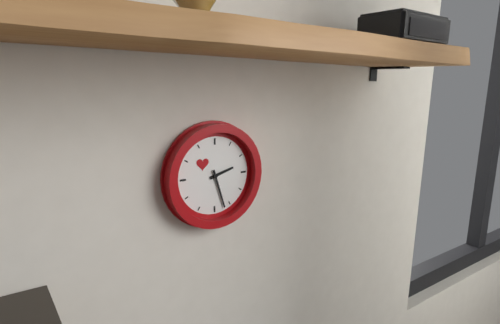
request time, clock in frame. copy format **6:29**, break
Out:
**2:27**
